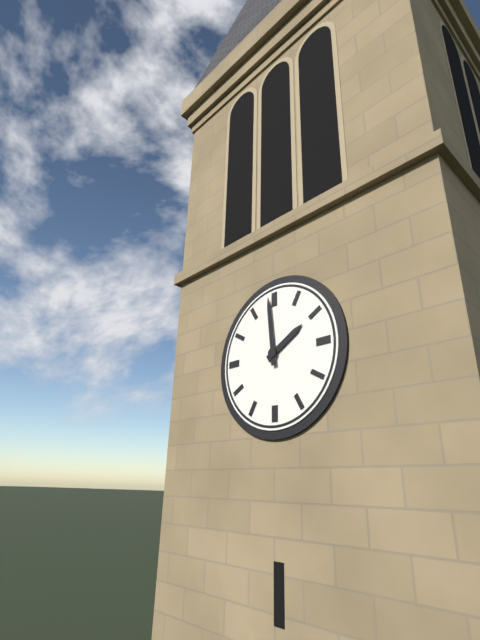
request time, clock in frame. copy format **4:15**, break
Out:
**1:59**
